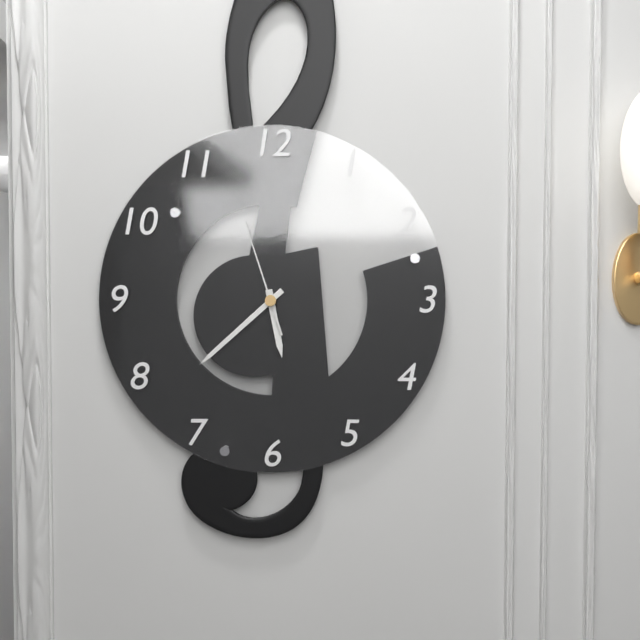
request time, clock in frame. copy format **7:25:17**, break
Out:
**5:38:57**
